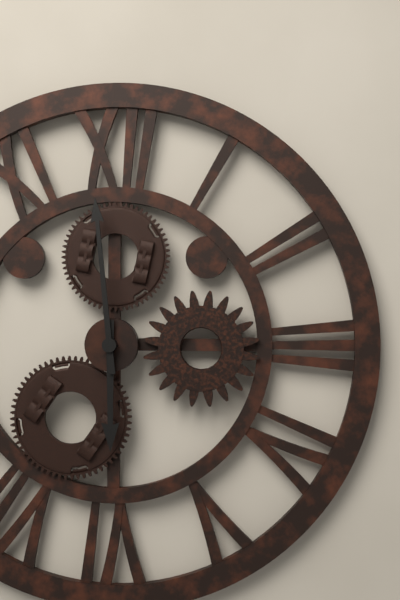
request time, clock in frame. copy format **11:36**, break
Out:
**5:59**
